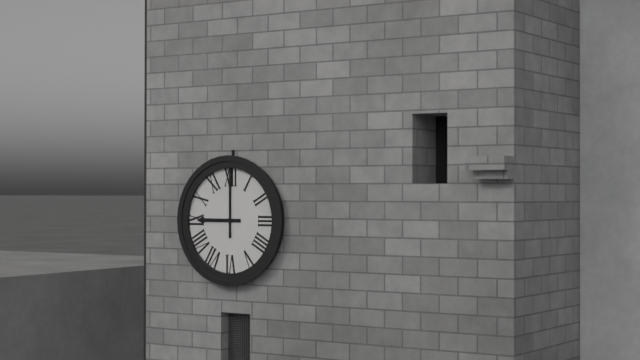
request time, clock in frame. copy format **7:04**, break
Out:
**9:00**
